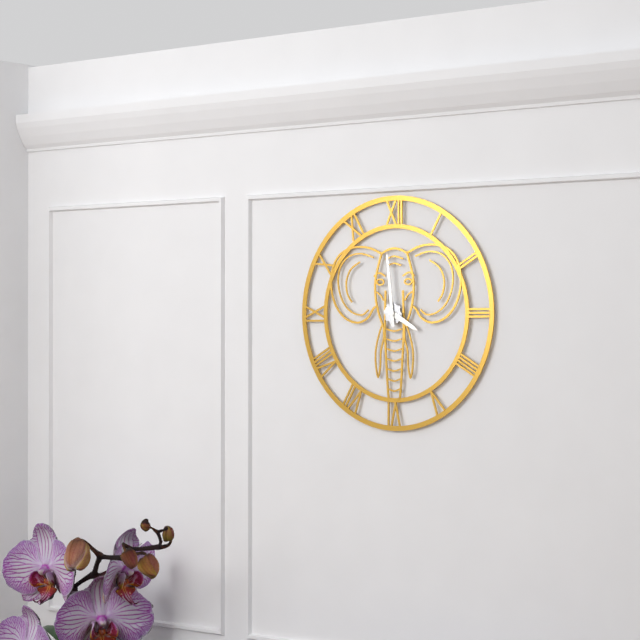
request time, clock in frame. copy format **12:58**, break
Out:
**3:59**
